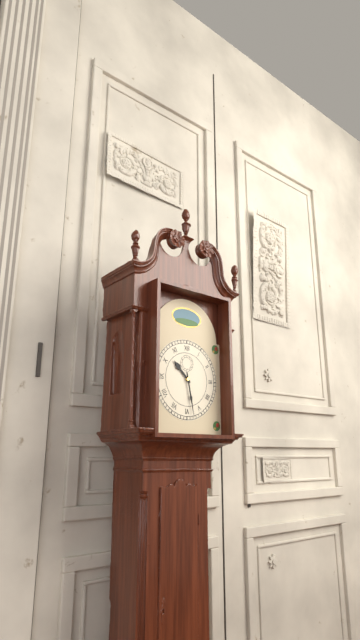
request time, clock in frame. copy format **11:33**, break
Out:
**10:28**
